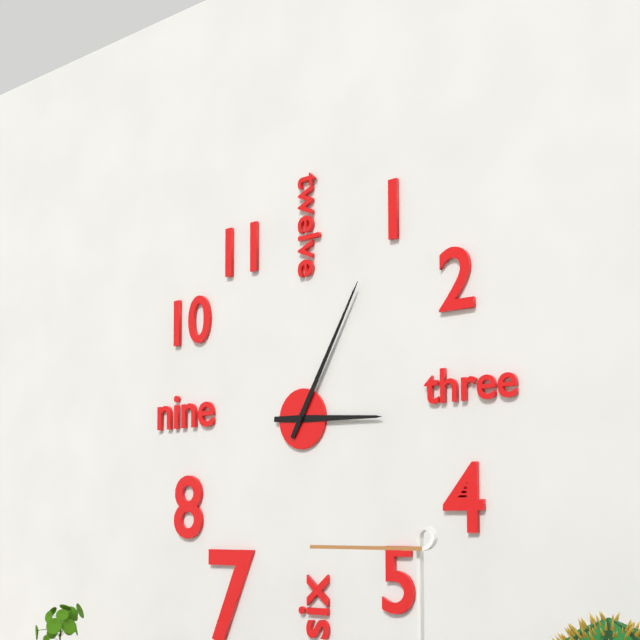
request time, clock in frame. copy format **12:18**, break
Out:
**3:05**
